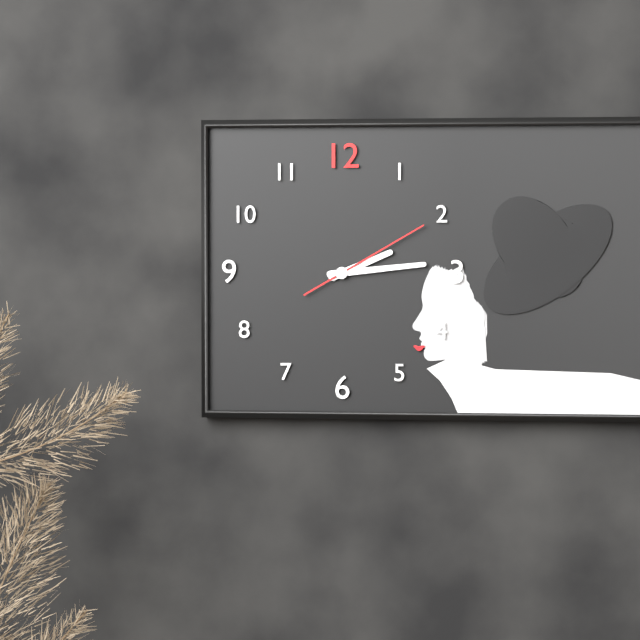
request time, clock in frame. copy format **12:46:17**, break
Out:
**2:14:10**
